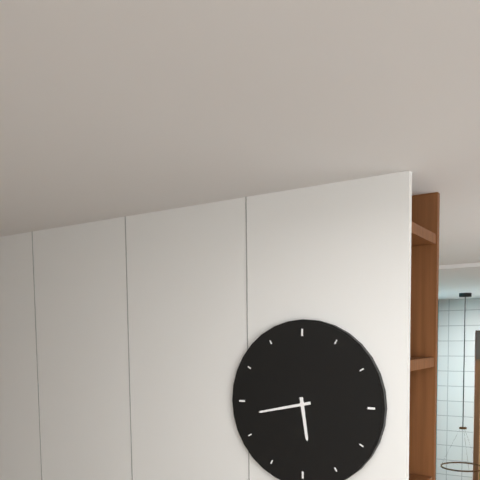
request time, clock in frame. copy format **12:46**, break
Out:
**5:43**
